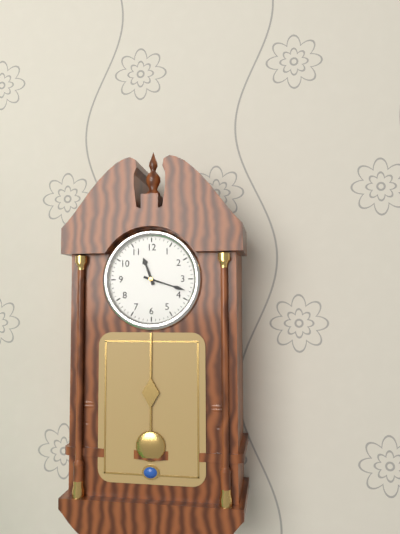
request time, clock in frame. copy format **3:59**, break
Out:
**11:18**
